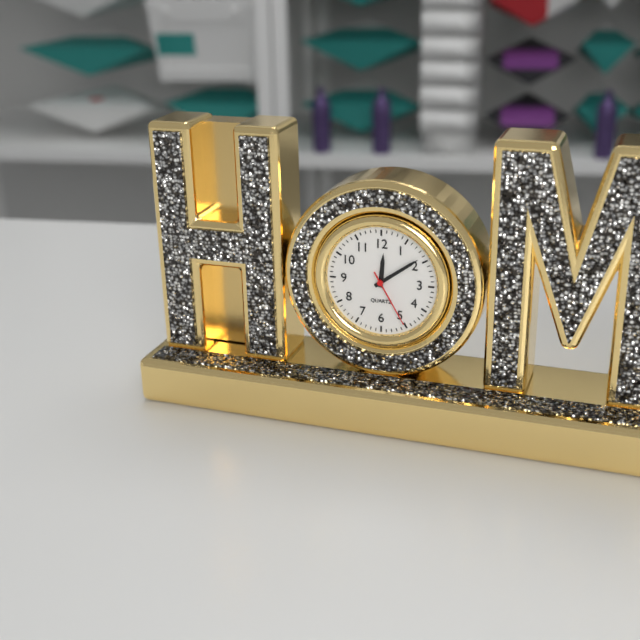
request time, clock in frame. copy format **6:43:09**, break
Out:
**12:09:25**
